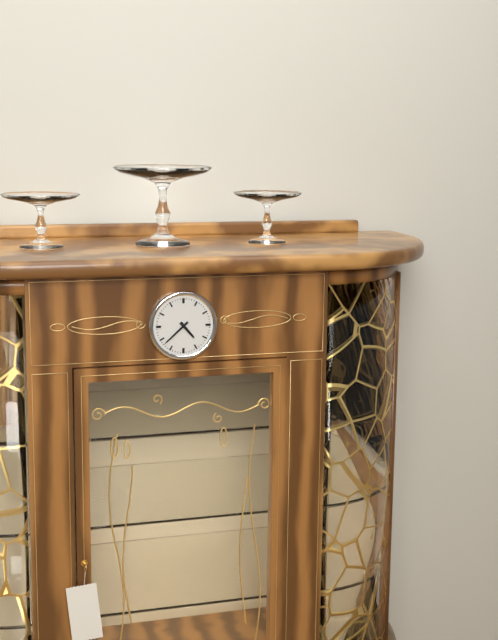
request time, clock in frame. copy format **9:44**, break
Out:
**4:38**
